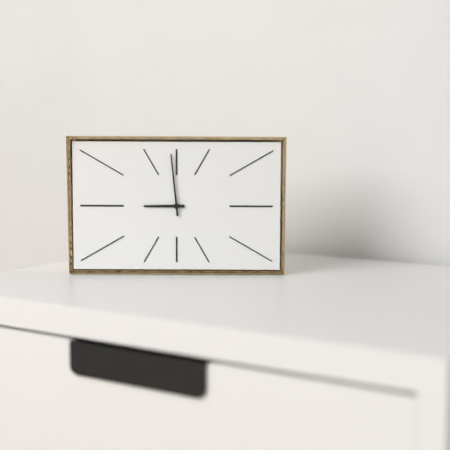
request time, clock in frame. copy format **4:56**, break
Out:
**8:59**
